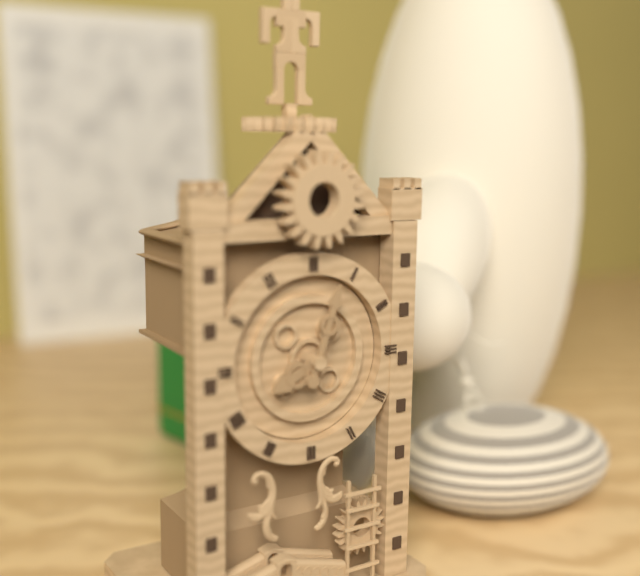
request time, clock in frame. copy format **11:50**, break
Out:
**8:03**
